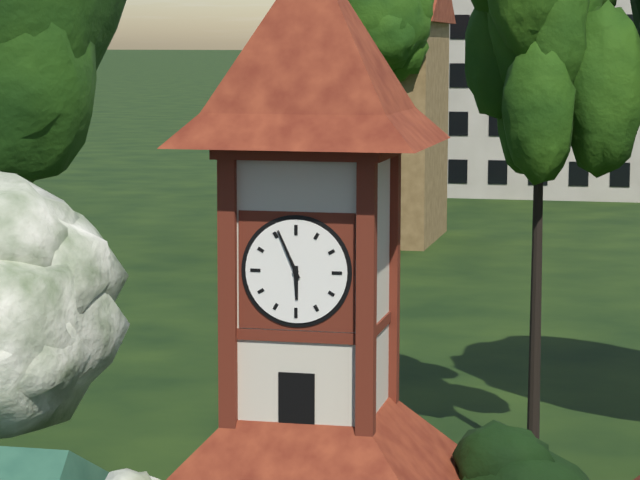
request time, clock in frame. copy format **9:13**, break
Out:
**5:56**
